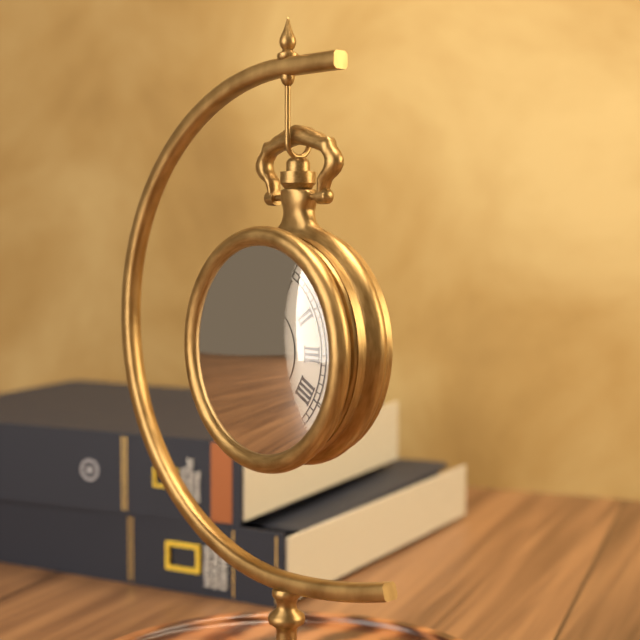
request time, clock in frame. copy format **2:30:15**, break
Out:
**11:01:03**
